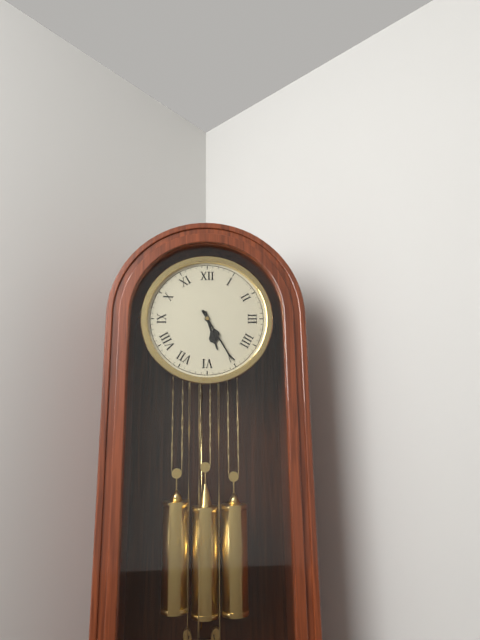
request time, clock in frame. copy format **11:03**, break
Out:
**5:25**
